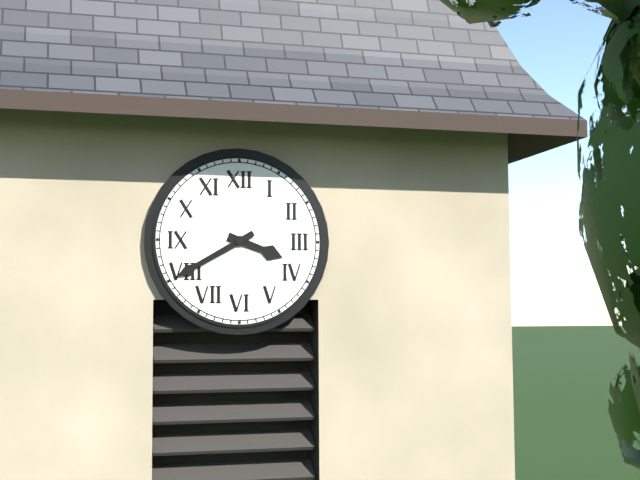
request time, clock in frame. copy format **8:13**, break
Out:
**3:40**
